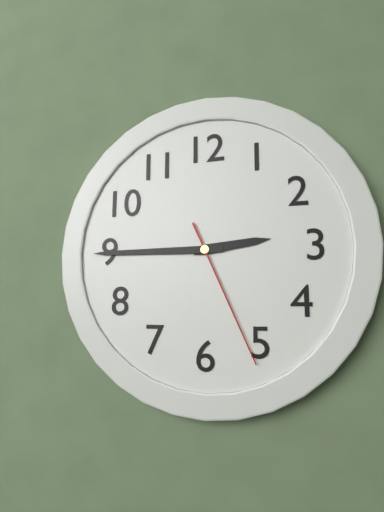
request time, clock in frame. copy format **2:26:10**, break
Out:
**2:45:26**
